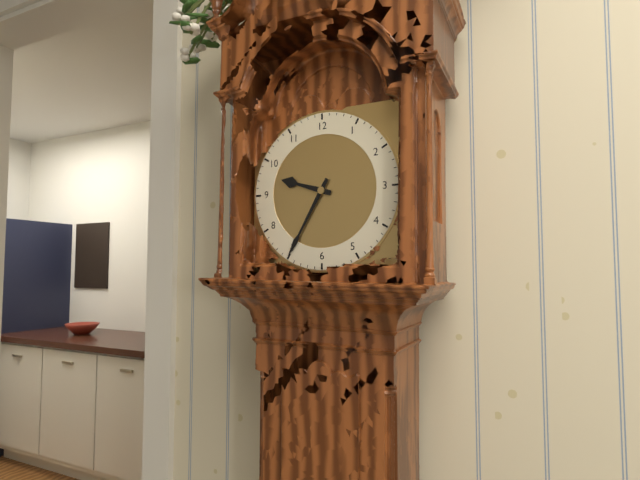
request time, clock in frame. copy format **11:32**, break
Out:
**9:35**
